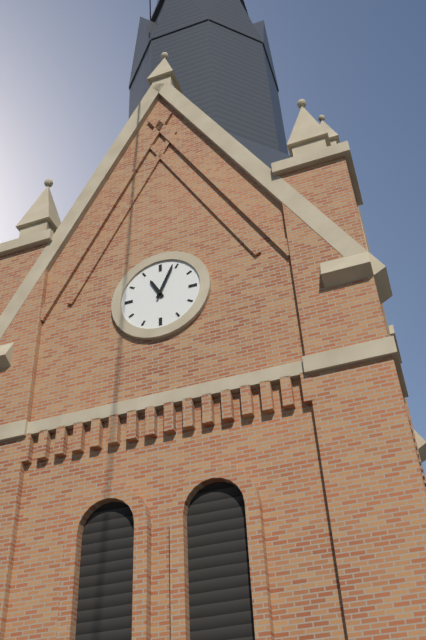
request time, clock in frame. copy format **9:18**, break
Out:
**11:04**
